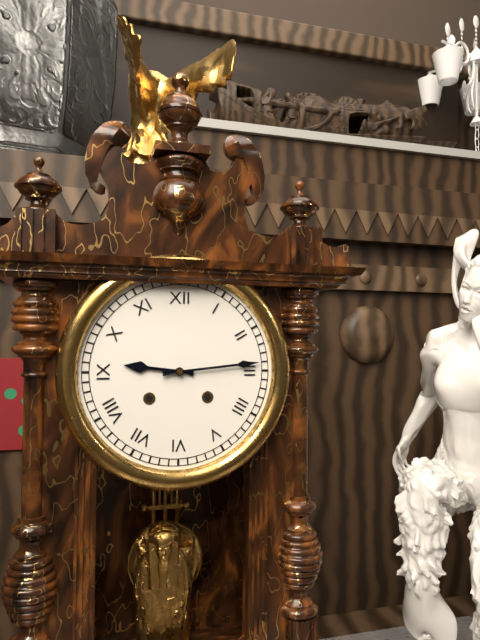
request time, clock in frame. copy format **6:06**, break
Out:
**9:14**
